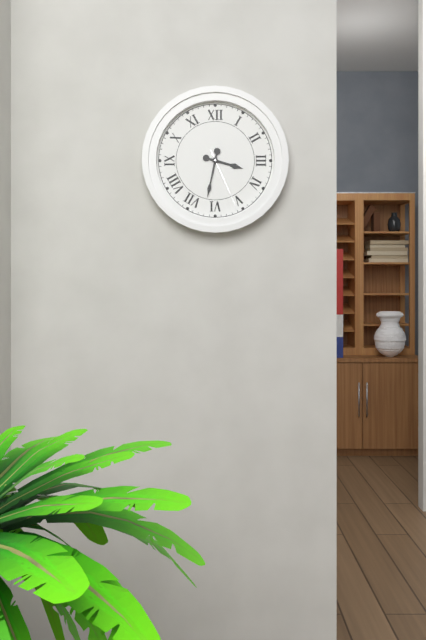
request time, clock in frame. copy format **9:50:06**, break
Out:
**3:32:26**
